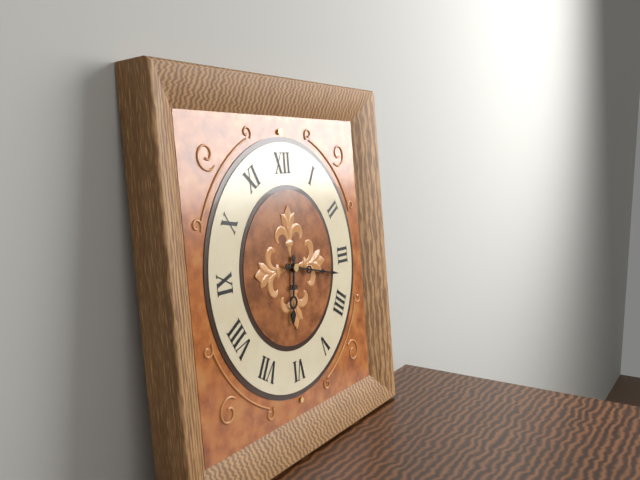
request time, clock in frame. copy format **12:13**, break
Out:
**6:17**
